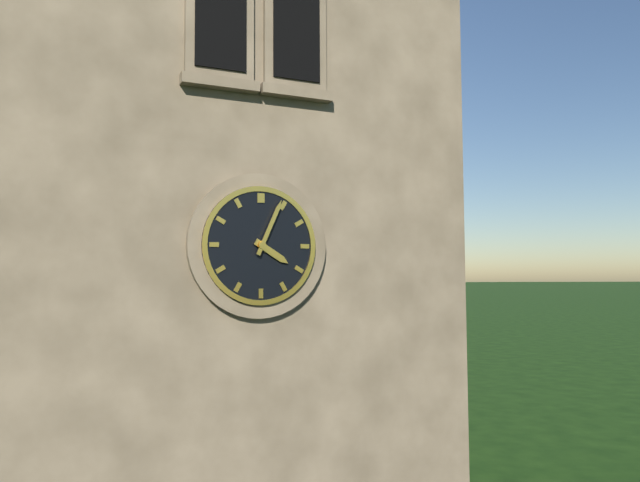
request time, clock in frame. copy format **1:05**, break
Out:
**4:04**
